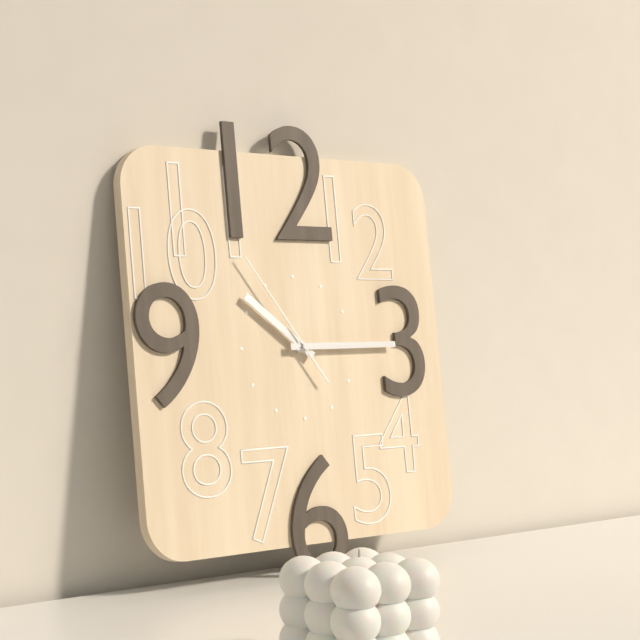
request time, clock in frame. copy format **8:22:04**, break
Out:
**10:15:54**
